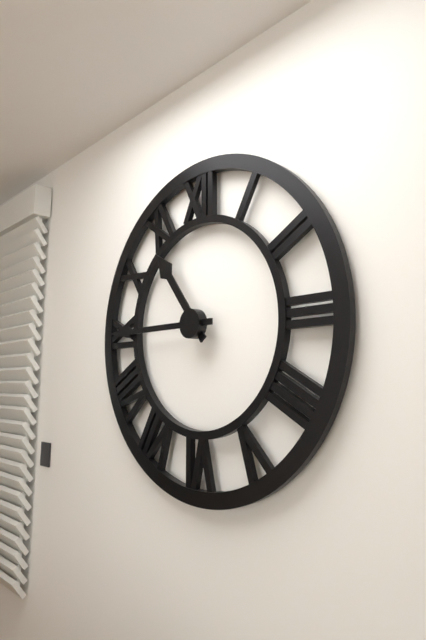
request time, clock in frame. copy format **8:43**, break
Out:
**10:45**
